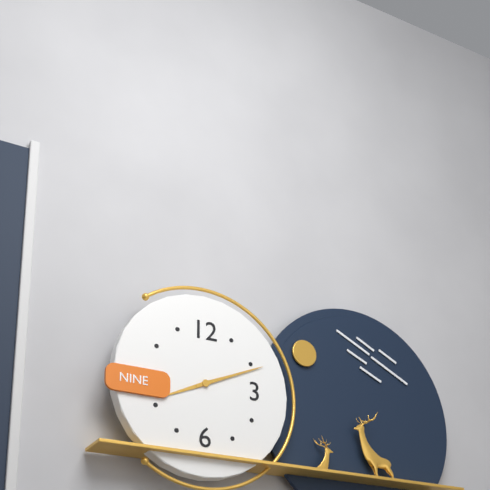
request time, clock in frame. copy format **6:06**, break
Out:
**8:11**
